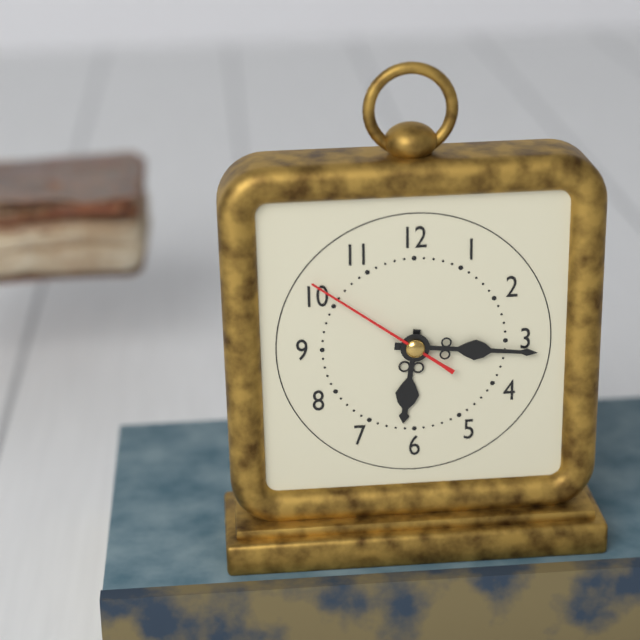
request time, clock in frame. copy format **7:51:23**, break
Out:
**6:16:51**
